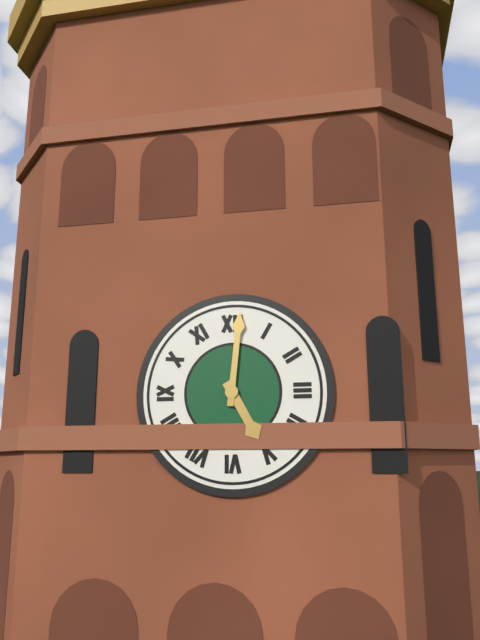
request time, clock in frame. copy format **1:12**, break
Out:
**5:01**
